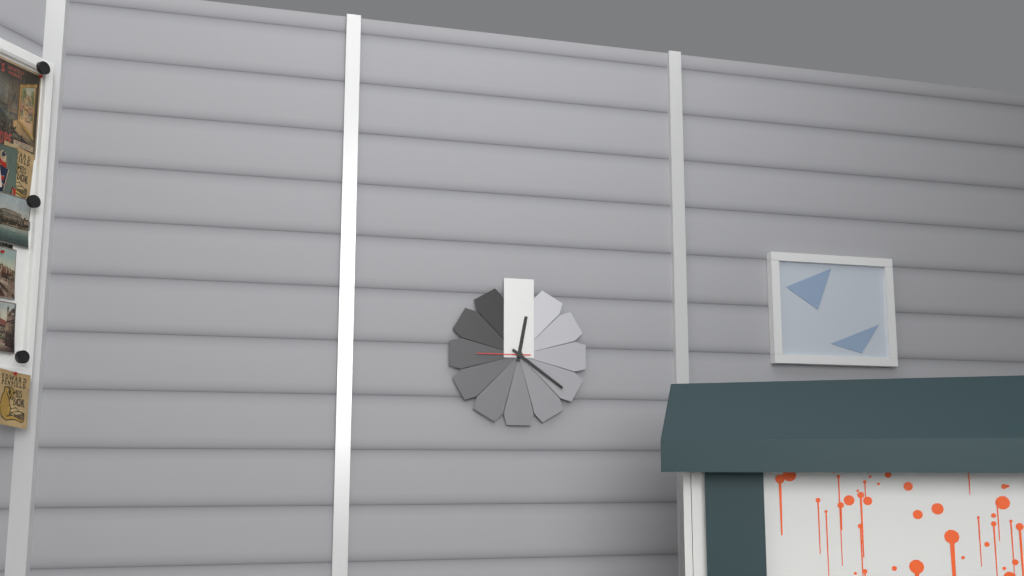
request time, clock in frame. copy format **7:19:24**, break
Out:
**12:21:45**
